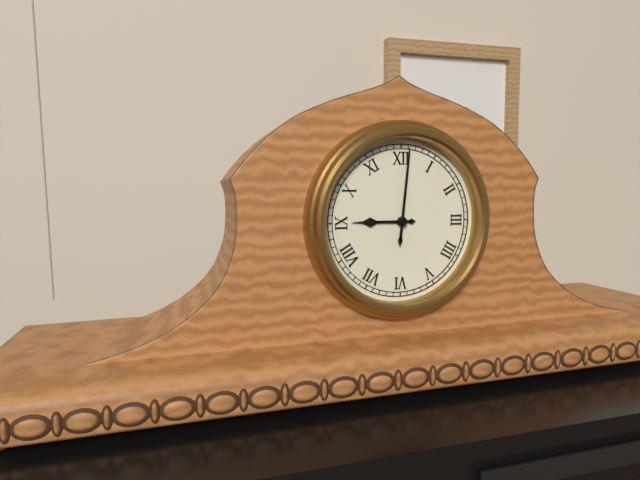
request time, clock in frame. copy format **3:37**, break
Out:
**9:01**
